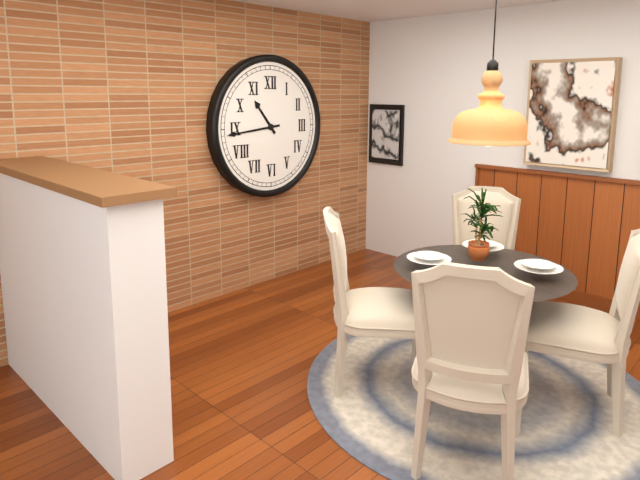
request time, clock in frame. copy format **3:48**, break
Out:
**10:44**
